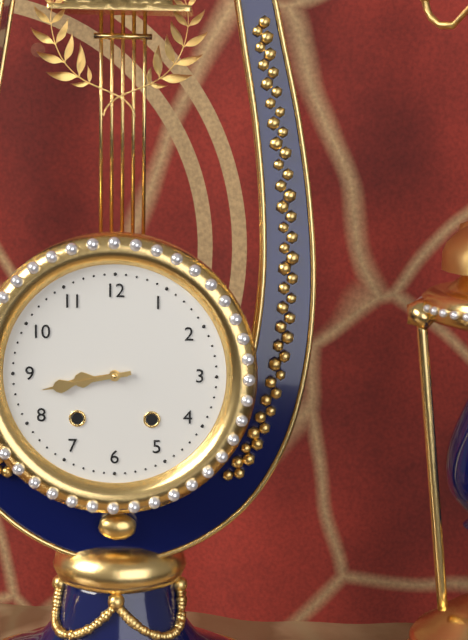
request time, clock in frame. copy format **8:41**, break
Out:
**8:43**
